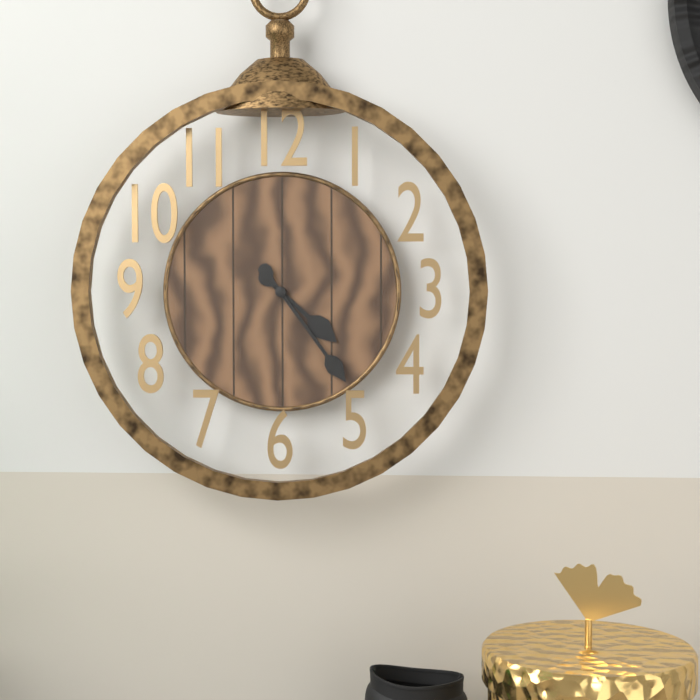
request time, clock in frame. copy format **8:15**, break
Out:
**4:24**
